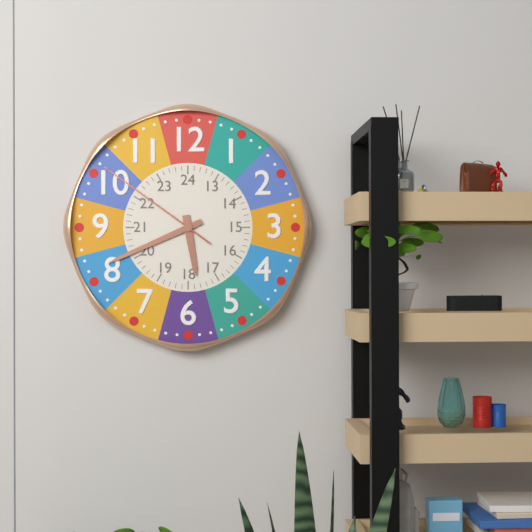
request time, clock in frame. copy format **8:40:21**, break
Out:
**5:41:51**
